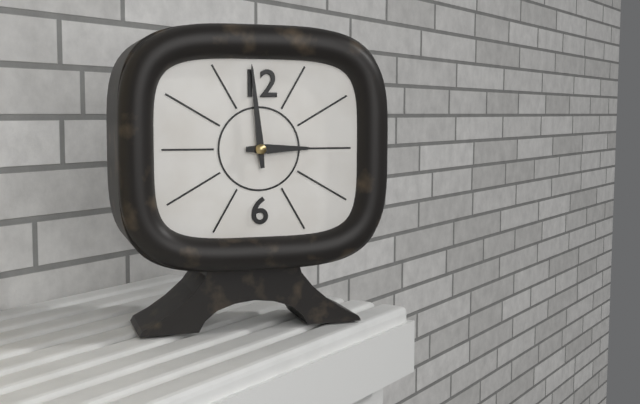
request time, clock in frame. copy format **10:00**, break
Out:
**2:59**
